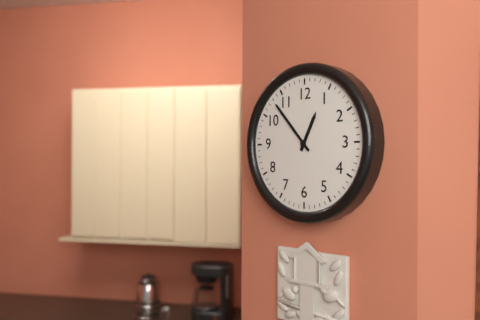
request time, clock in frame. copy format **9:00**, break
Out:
**12:53**
